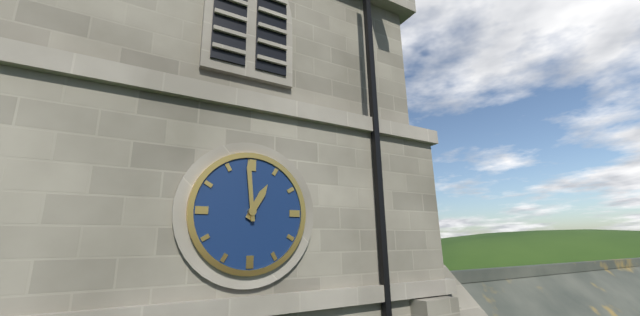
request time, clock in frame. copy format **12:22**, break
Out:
**12:59**
